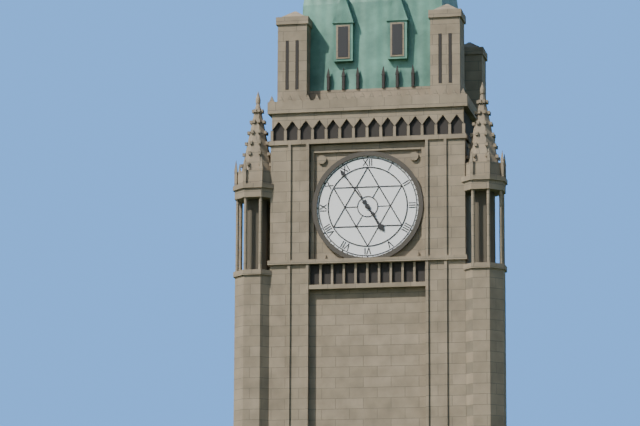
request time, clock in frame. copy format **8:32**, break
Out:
**4:54**
